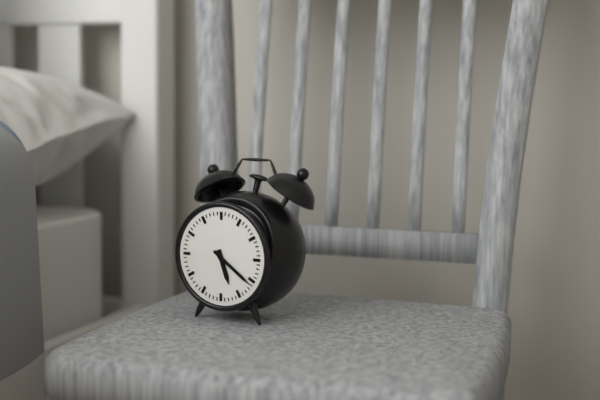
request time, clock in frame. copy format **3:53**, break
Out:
**5:21**
